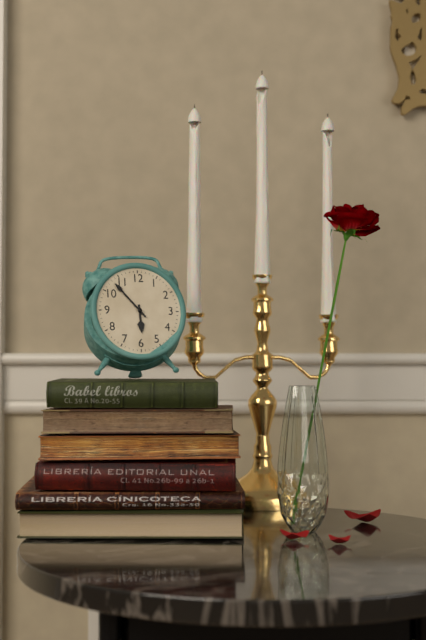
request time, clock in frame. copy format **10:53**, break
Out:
**5:53**
